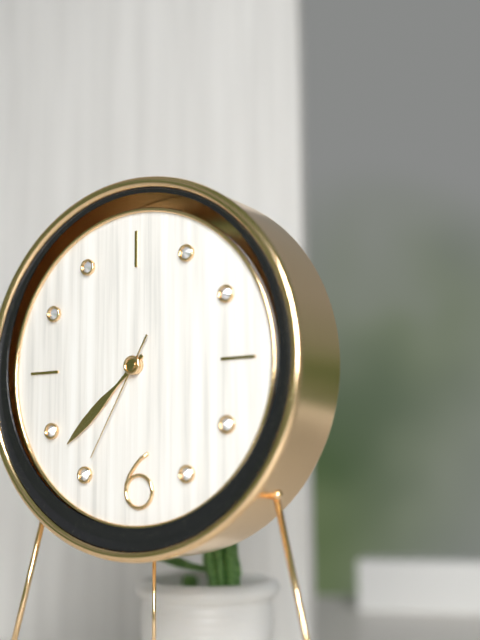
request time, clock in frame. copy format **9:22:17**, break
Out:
**7:38:35**
